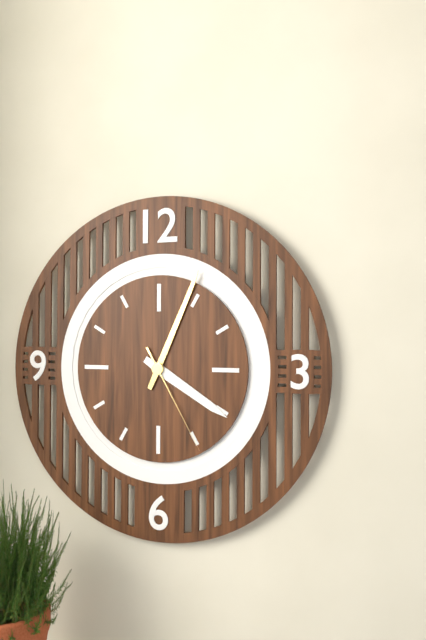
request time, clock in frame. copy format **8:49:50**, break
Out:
**4:04:25**
